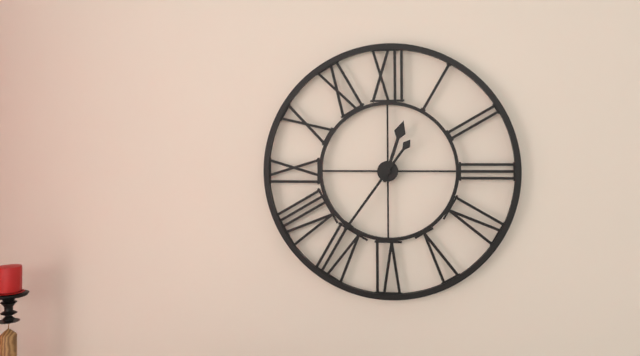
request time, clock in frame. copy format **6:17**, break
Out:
**12:36**
